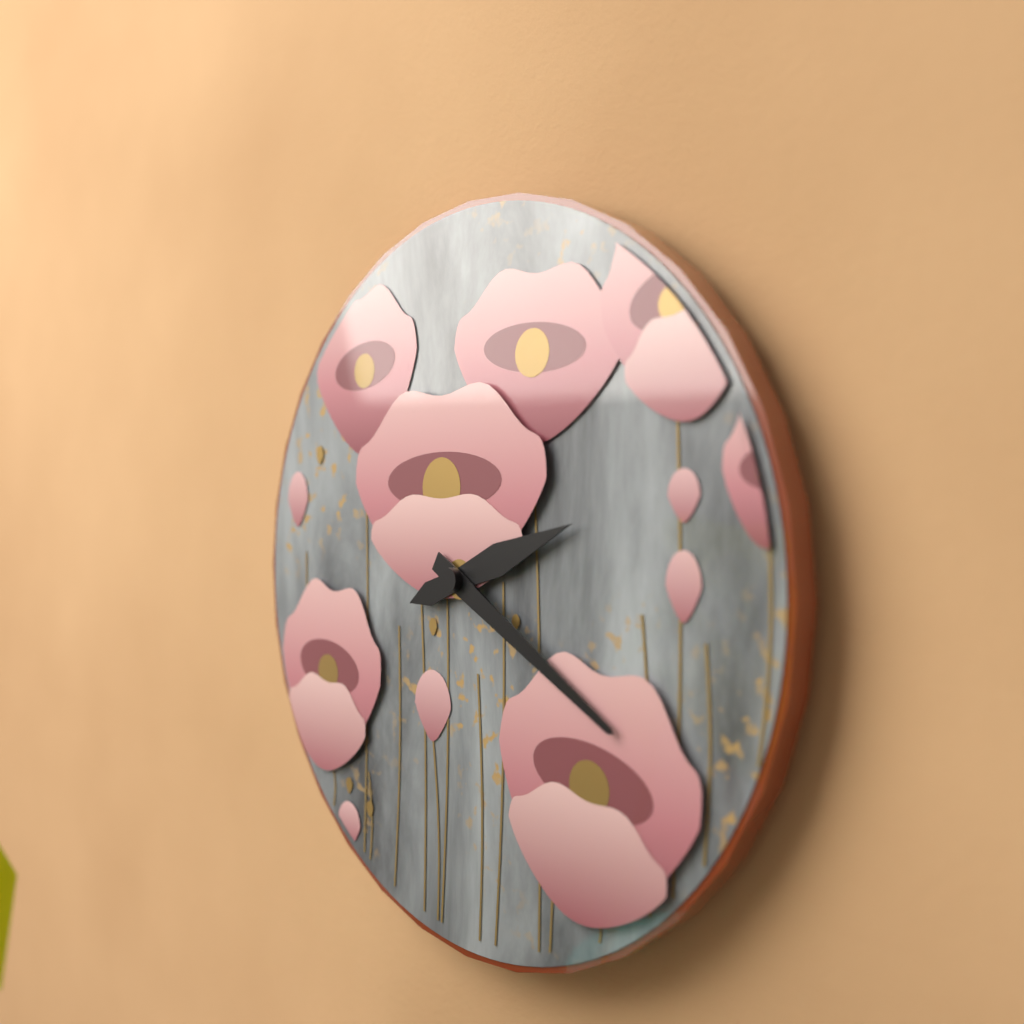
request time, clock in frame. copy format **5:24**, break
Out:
**2:20**
